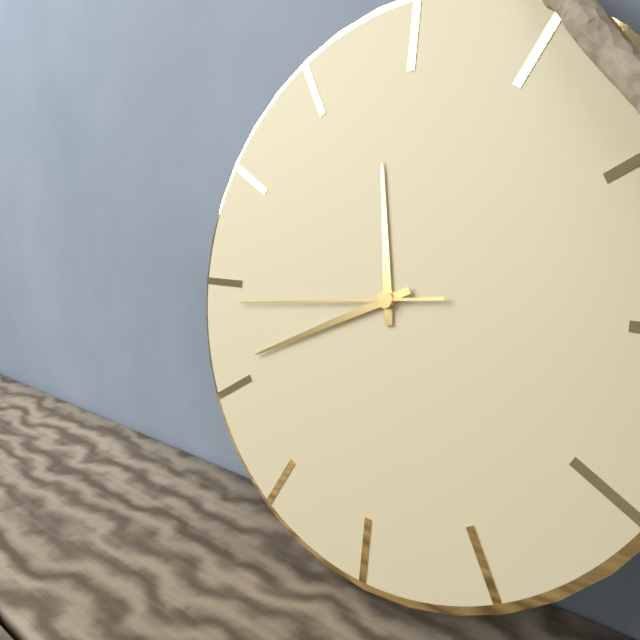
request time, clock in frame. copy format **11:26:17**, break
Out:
**11:41:44**
